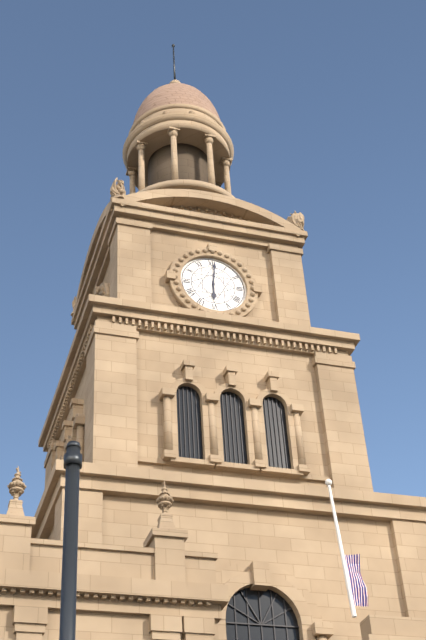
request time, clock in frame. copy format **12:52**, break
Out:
**6:01**
